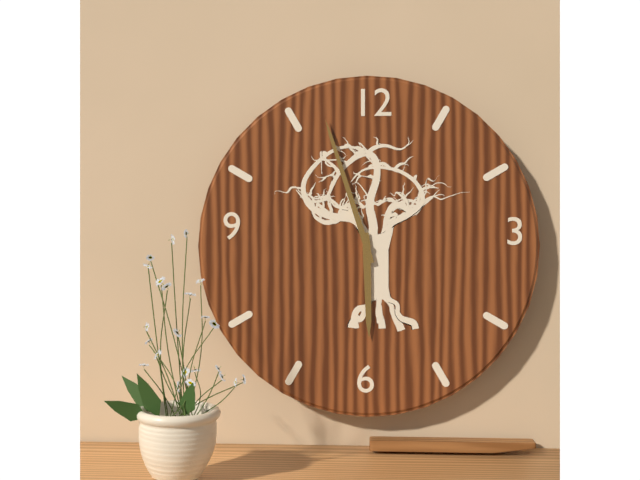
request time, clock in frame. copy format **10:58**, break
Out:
**5:57**
